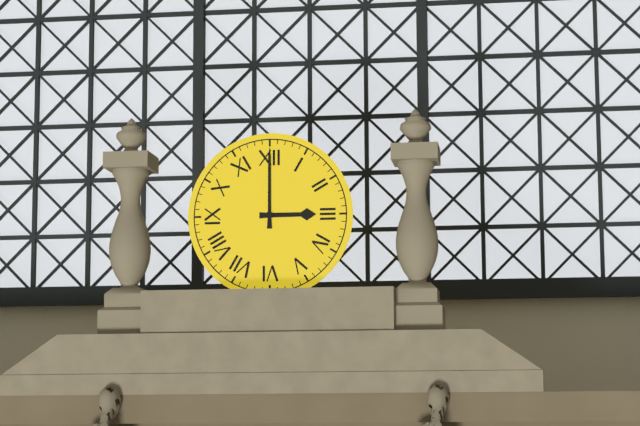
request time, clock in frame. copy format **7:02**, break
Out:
**3:00**
